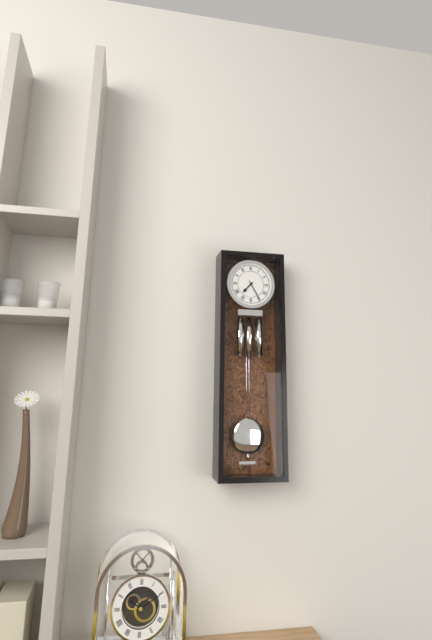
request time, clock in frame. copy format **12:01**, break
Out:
**7:25**
